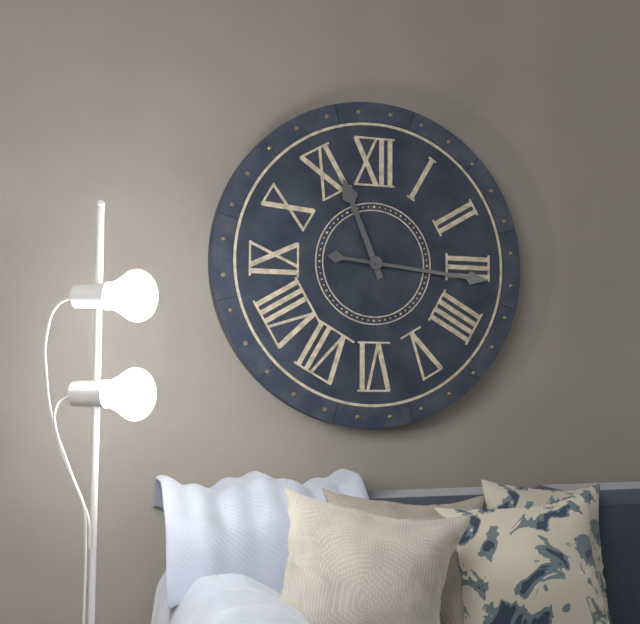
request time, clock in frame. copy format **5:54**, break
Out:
**11:16**
